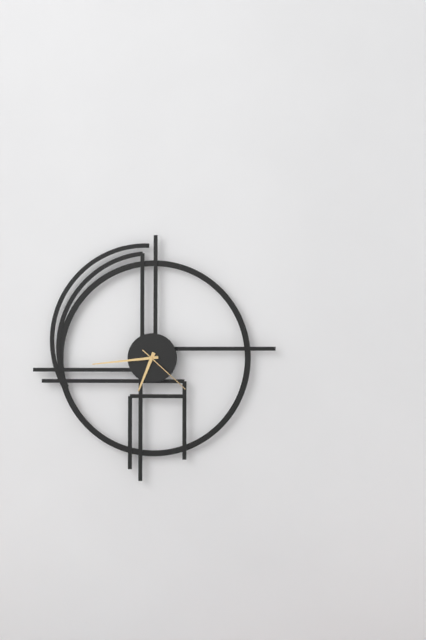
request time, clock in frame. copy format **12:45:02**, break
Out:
**6:44:22**
